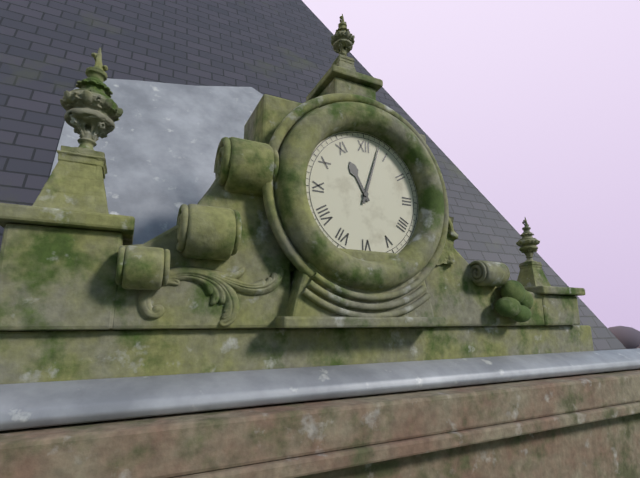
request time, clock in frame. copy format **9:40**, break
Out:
**11:03**
